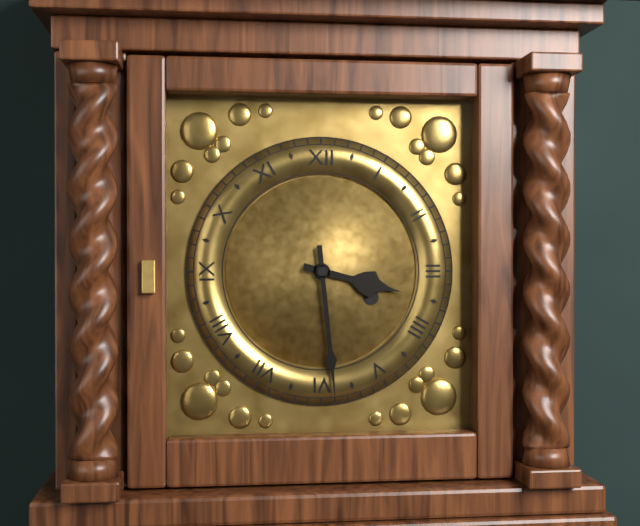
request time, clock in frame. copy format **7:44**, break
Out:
**3:29**
